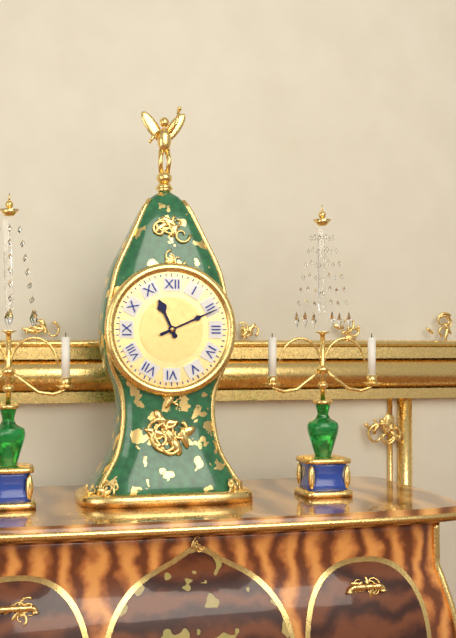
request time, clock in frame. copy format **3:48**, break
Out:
**11:11**
